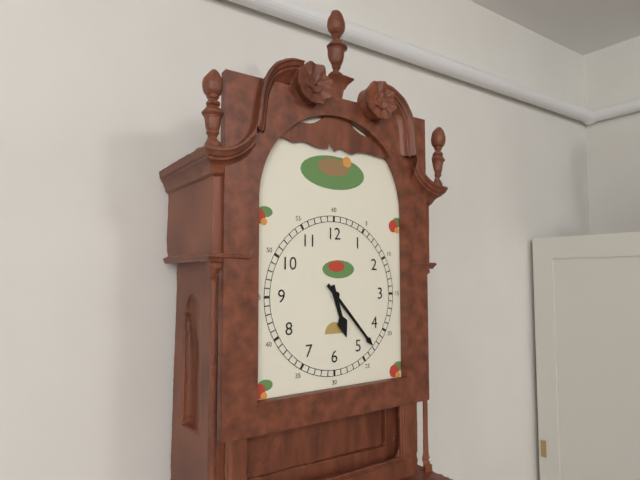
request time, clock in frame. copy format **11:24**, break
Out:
**5:23**
